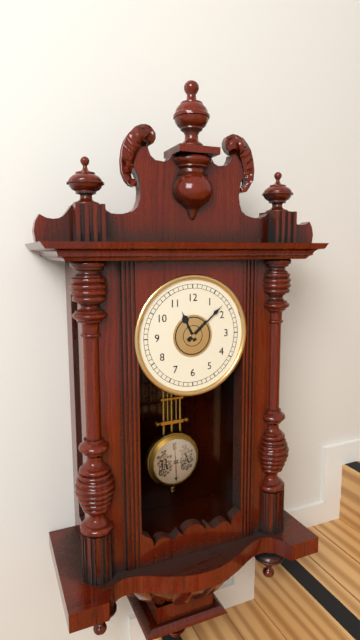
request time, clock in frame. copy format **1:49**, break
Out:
**11:08**
